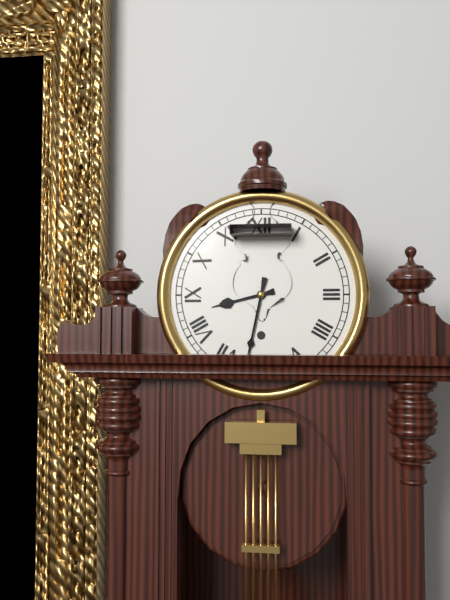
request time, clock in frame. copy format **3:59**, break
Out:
**8:32**
